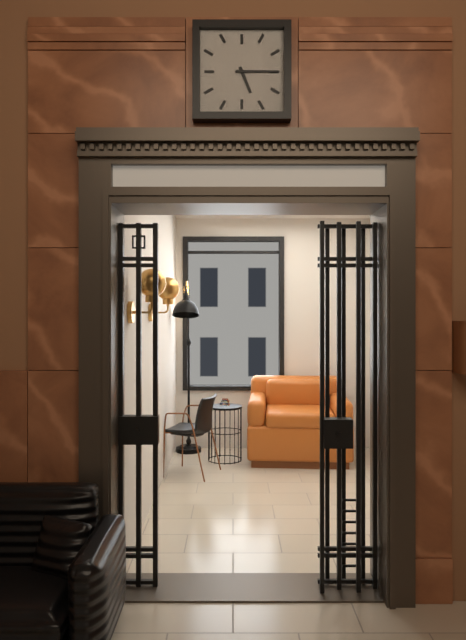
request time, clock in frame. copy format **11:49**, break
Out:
**5:15**
